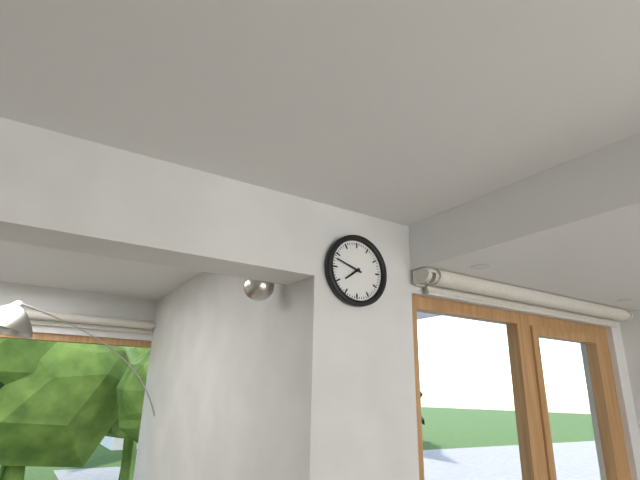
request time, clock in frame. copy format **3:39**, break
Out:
**7:48**
